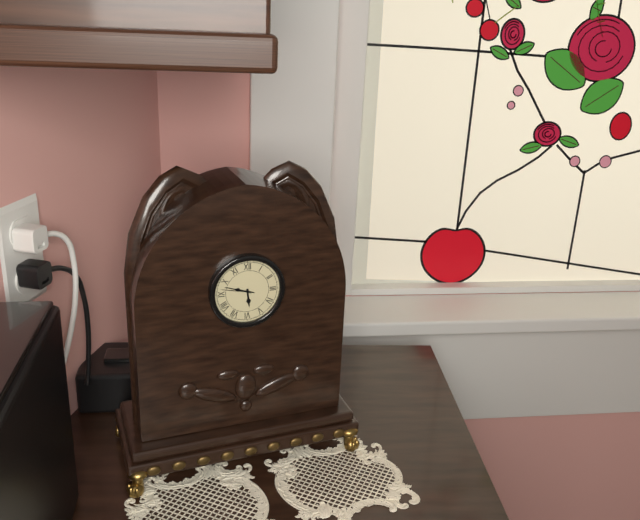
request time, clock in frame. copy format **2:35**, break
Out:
**5:48**
